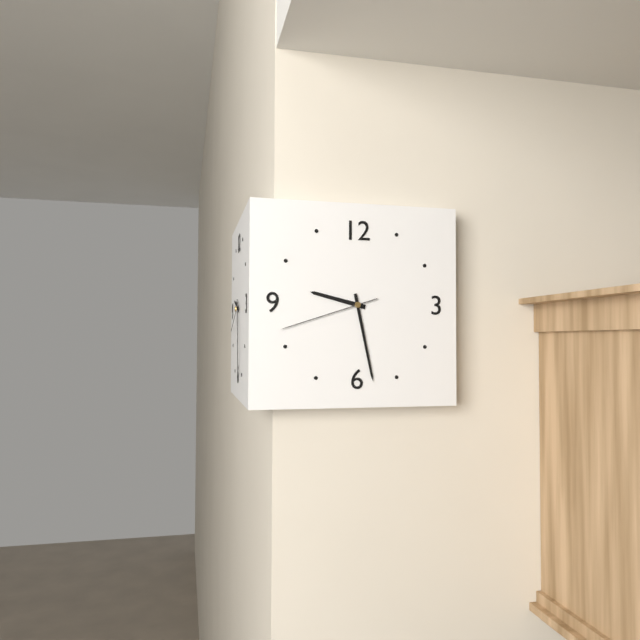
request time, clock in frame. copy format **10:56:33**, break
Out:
**9:28:42**
